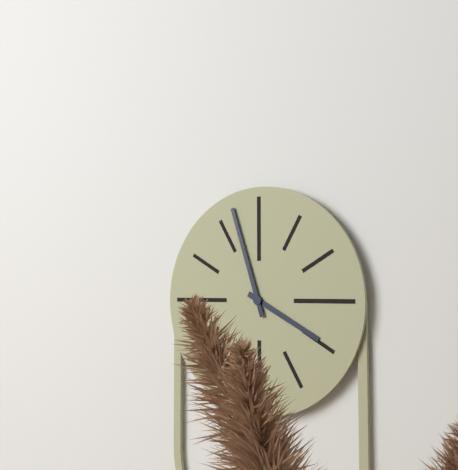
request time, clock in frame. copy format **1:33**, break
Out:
**3:57**
